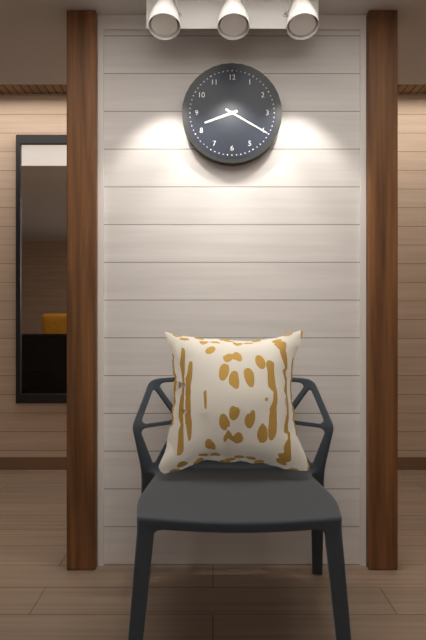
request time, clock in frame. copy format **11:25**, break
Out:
**8:20**
